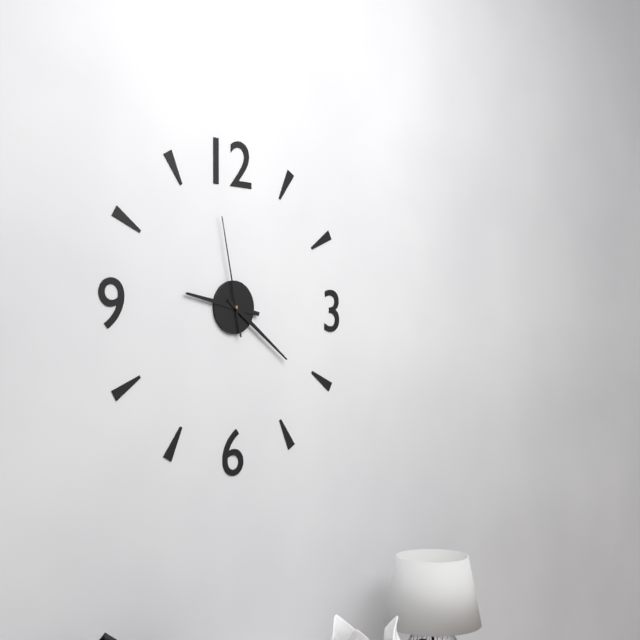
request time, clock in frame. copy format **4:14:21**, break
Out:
**9:21:58**
